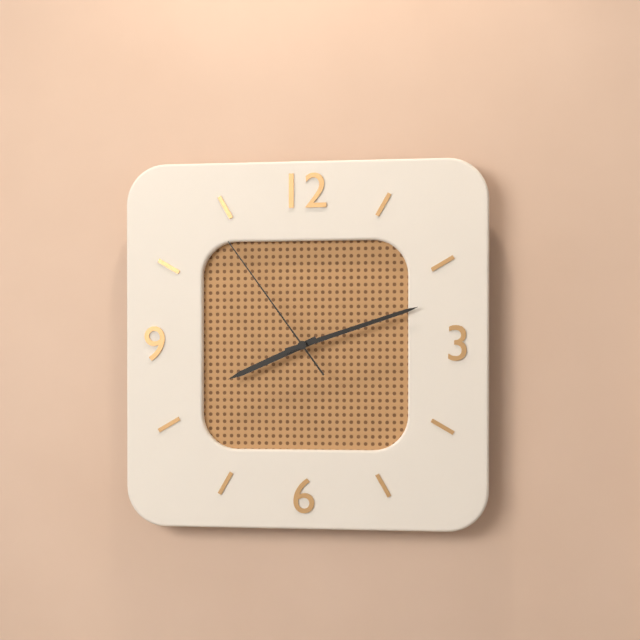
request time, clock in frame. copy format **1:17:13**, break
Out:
**8:12:54**
